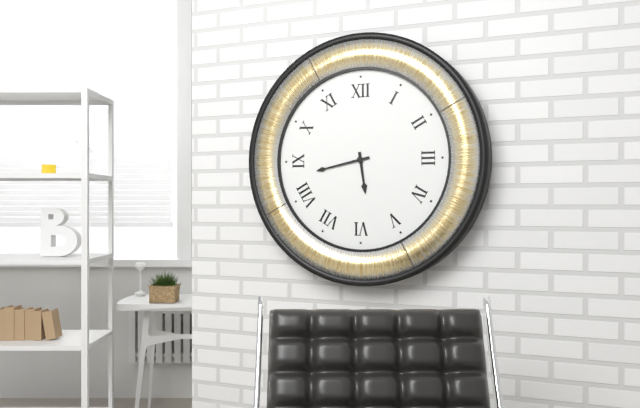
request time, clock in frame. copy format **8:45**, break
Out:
**5:43**
